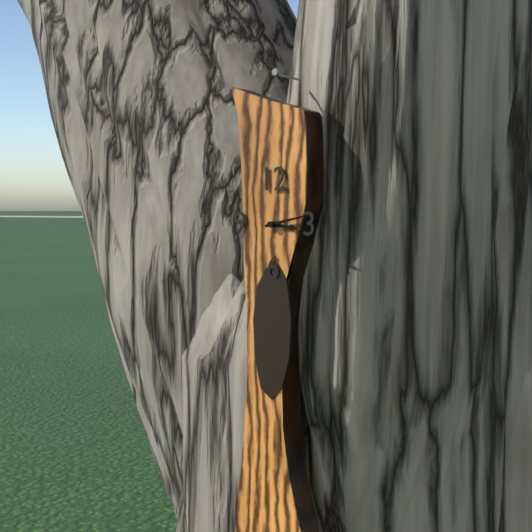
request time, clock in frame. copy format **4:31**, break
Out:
**3:13**
